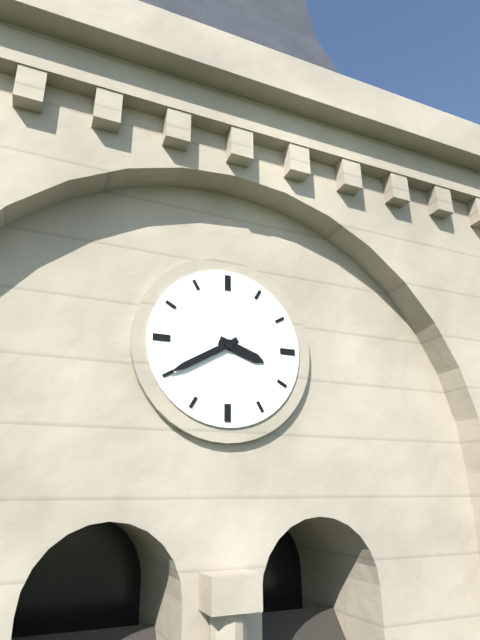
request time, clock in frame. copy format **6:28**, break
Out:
**3:40**
